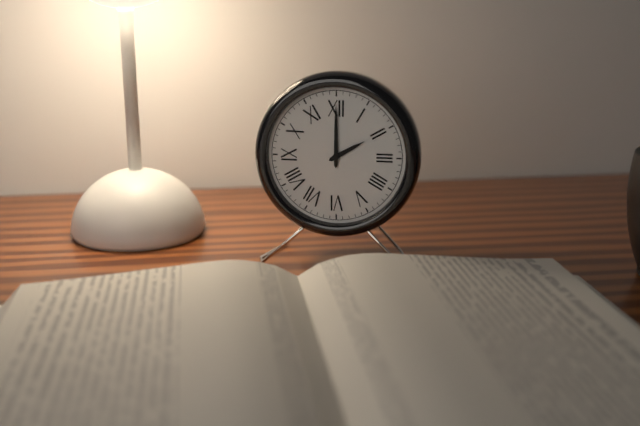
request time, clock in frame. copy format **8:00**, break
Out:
**2:00**
